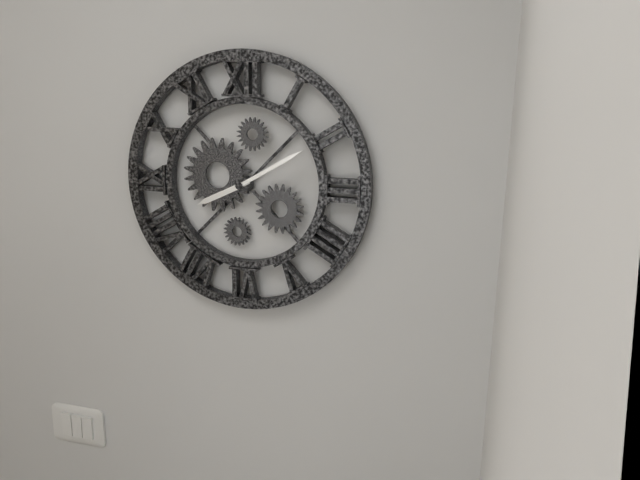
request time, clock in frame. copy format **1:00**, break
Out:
**8:10**
